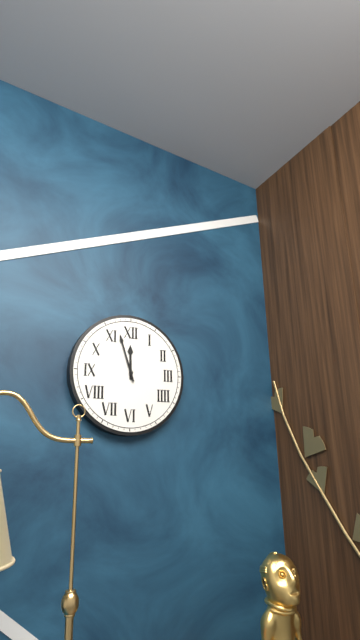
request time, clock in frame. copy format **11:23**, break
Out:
**11:57**
